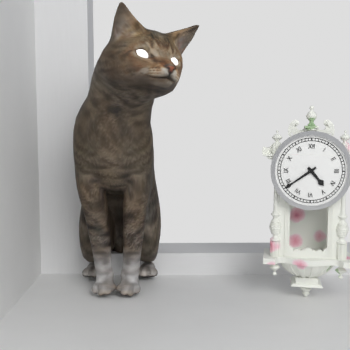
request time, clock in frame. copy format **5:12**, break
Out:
**4:39**
